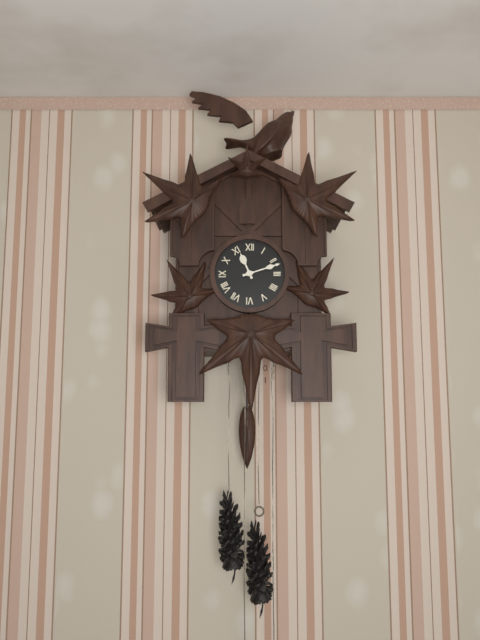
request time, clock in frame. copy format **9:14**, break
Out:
**11:12**
